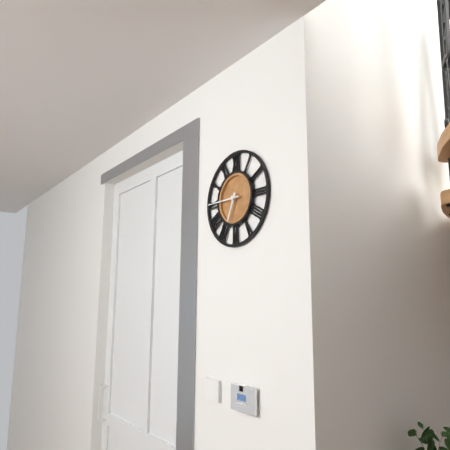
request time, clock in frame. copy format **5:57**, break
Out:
**6:45**
